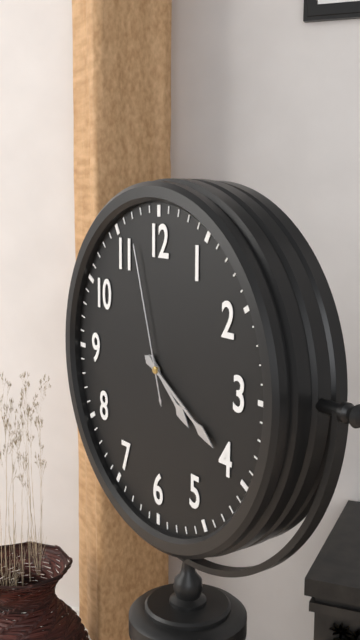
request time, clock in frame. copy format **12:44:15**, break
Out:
**4:20:57**
